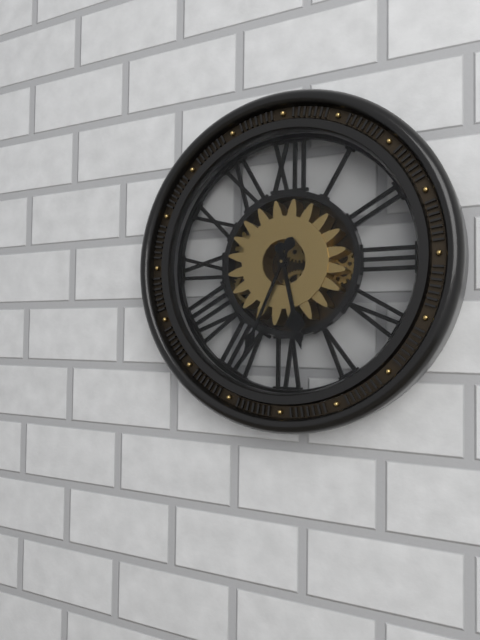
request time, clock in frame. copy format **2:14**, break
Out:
**5:34**
